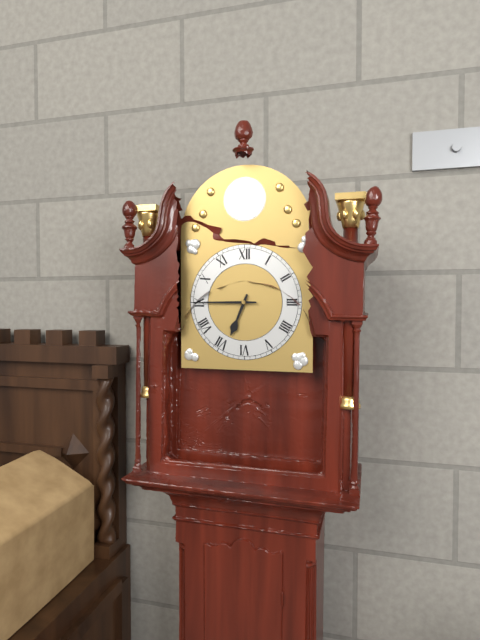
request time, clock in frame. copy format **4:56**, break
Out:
**6:45**
